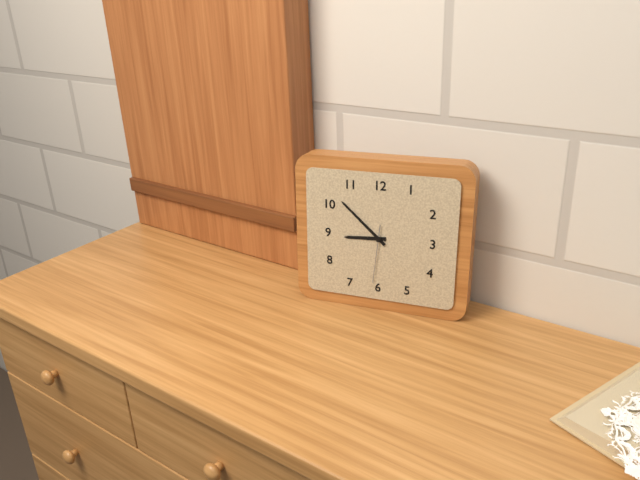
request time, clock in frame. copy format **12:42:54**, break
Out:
**8:52:31**
